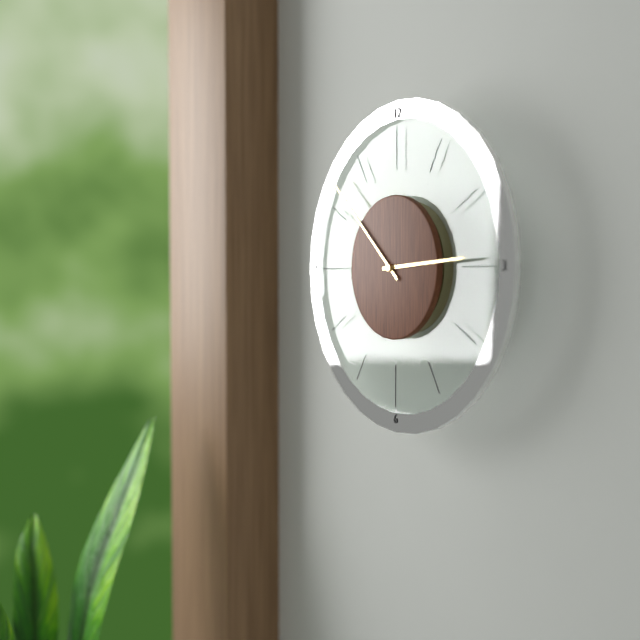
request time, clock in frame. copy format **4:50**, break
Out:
**2:52**
